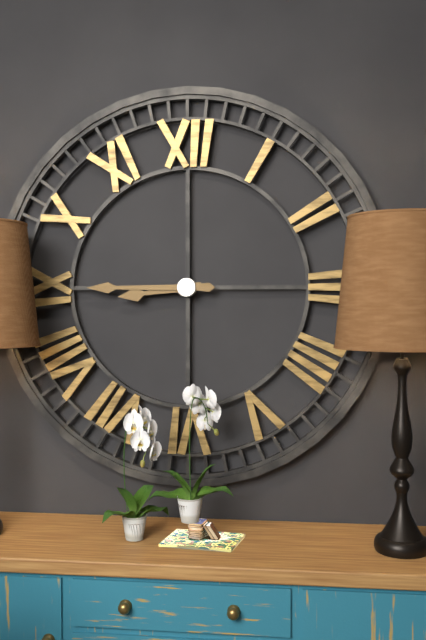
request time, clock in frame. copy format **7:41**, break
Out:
**8:45**
